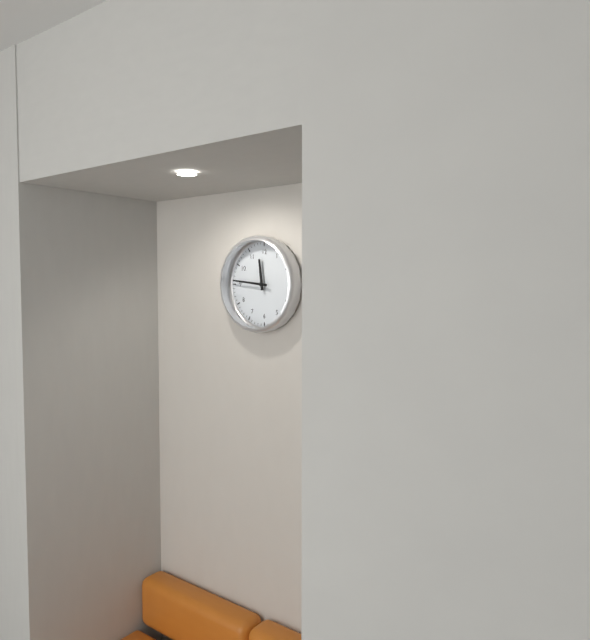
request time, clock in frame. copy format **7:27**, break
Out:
**11:46**
